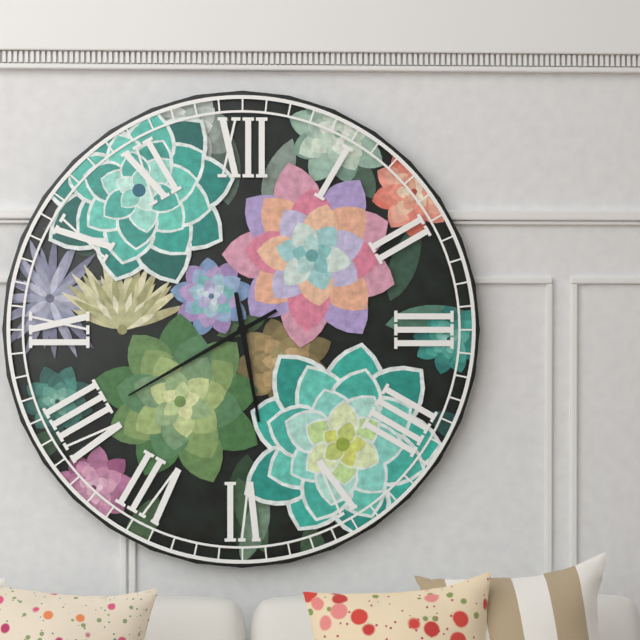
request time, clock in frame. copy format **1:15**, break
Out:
**5:40**
